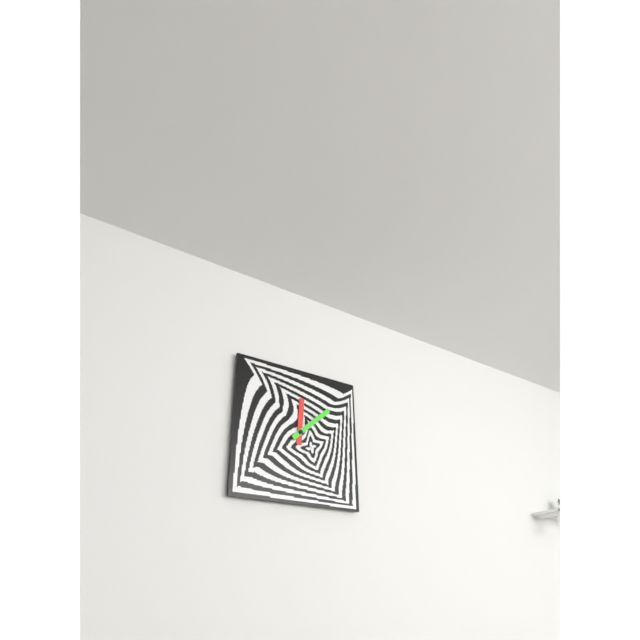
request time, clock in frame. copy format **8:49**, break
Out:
**12:08**
